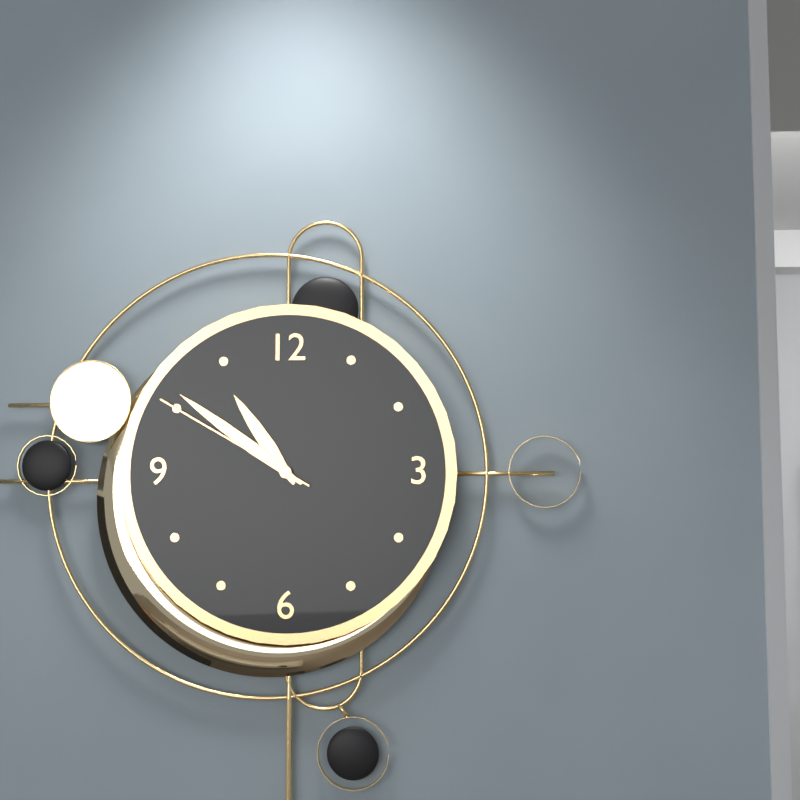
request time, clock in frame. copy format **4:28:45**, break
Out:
**10:51:50**
